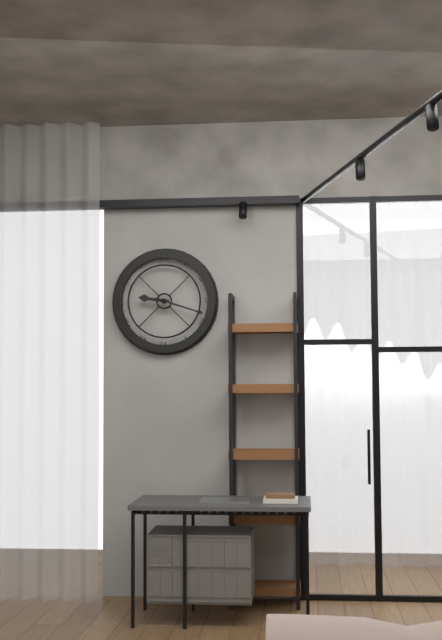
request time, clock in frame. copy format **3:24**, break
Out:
**9:18**
